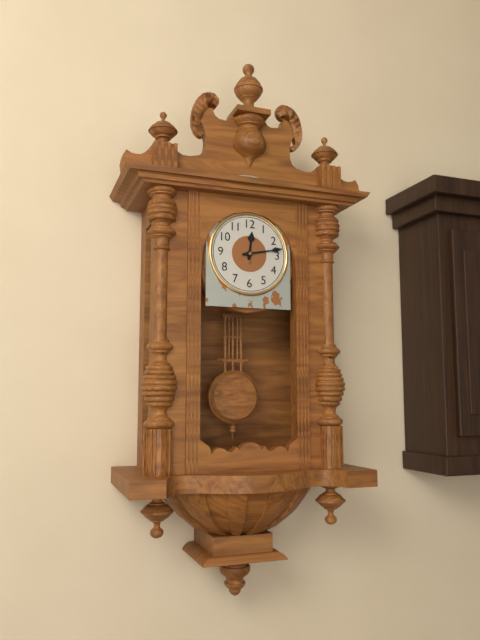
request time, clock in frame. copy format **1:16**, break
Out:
**12:13**
